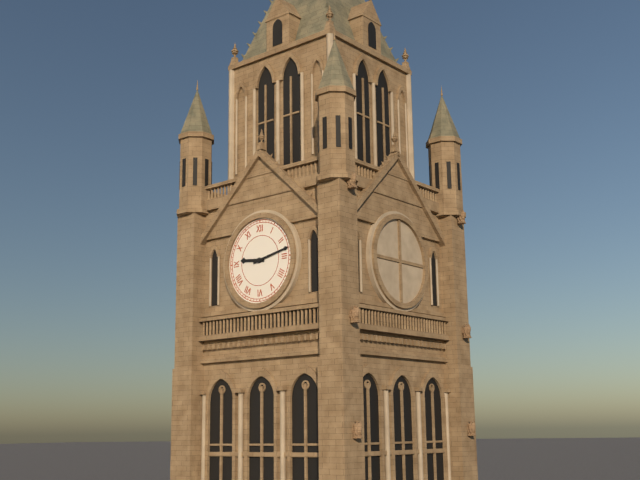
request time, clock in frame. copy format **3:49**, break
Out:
**9:13**
